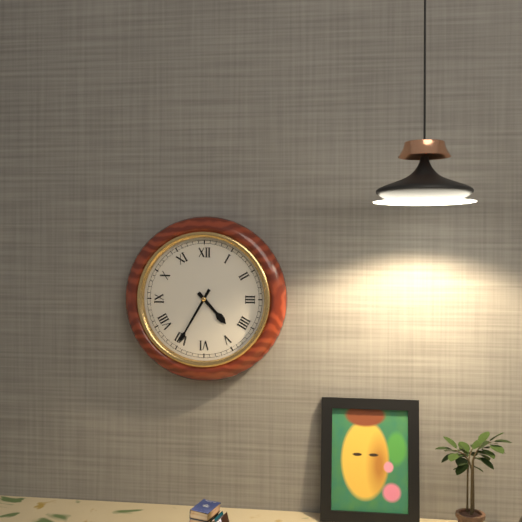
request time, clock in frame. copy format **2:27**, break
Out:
**4:35**
